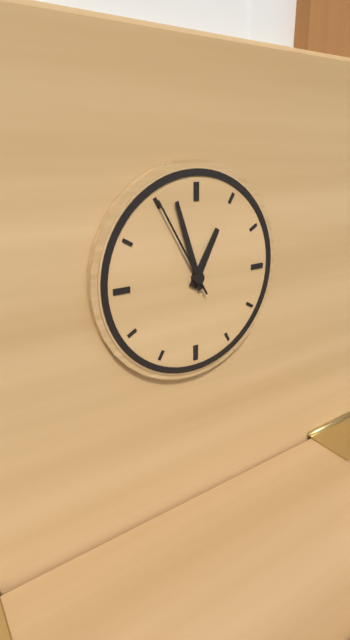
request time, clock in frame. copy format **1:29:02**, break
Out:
**12:57:55**
